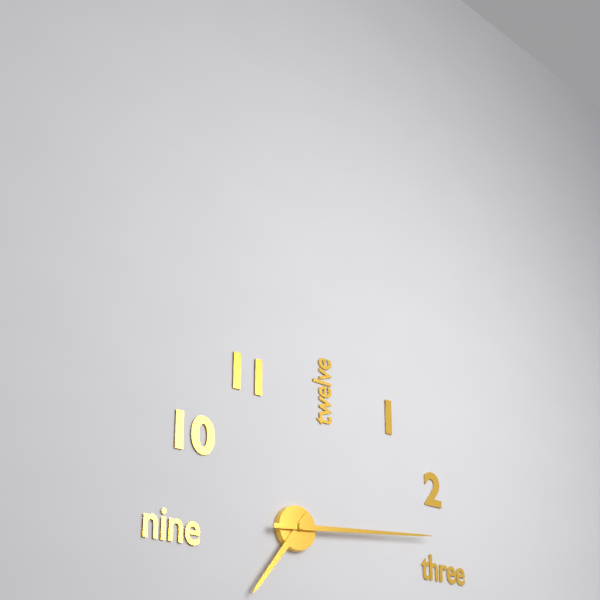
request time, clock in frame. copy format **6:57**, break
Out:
**7:14**
